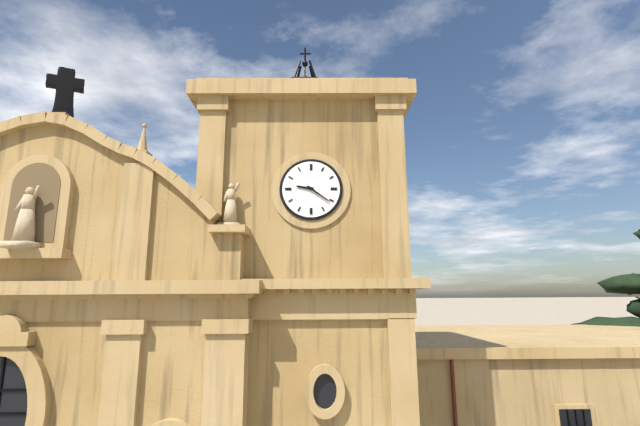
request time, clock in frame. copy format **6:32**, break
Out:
**9:21**
